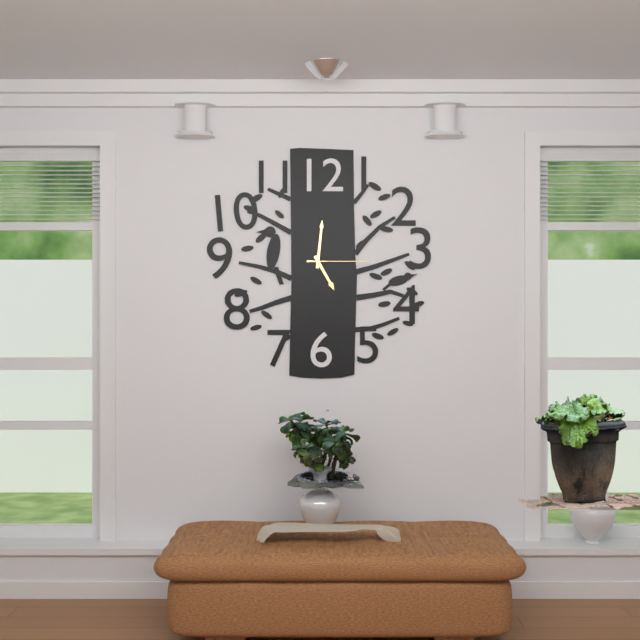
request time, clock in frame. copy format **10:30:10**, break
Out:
**5:01:15**
